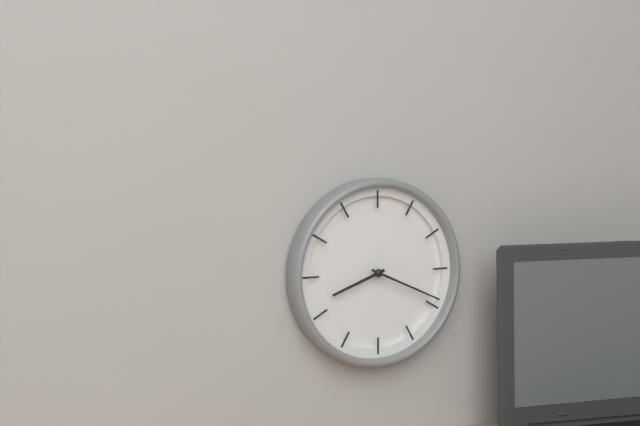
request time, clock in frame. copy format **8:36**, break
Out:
**8:19**
